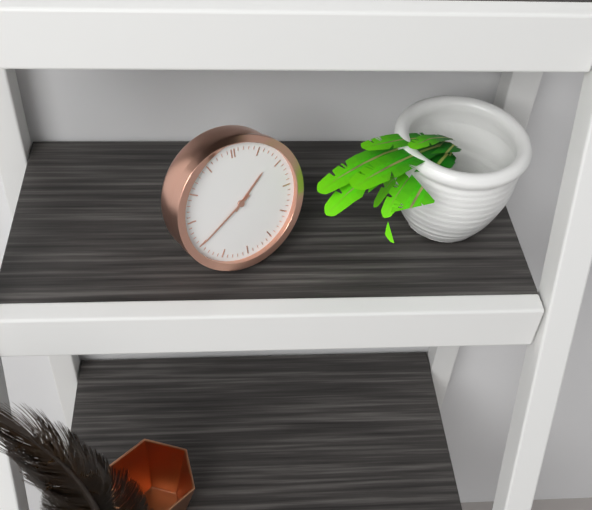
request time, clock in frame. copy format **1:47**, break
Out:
**1:40**
